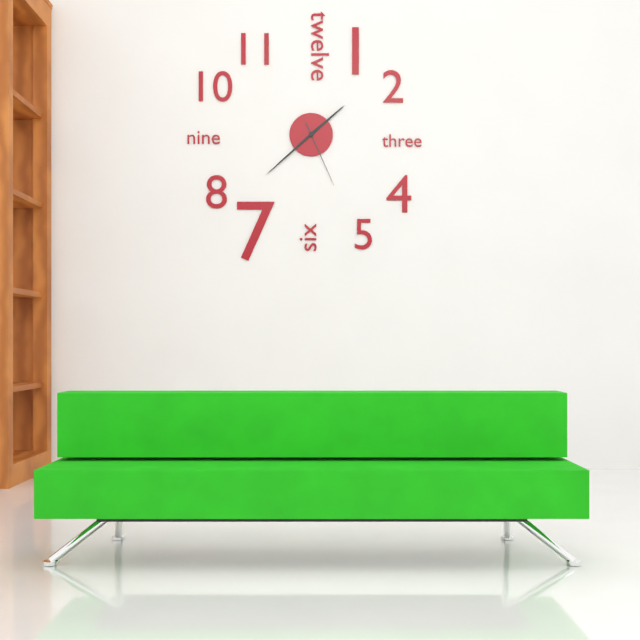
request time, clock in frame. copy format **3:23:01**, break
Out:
**1:38:26**
